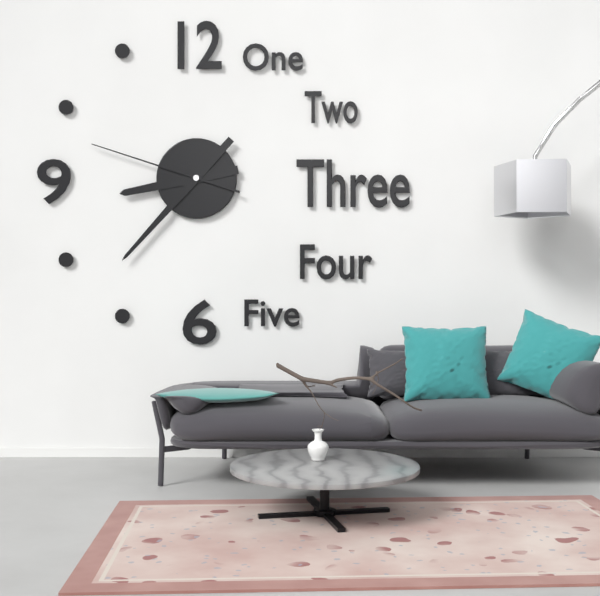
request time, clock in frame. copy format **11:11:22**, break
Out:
**8:37:48**
